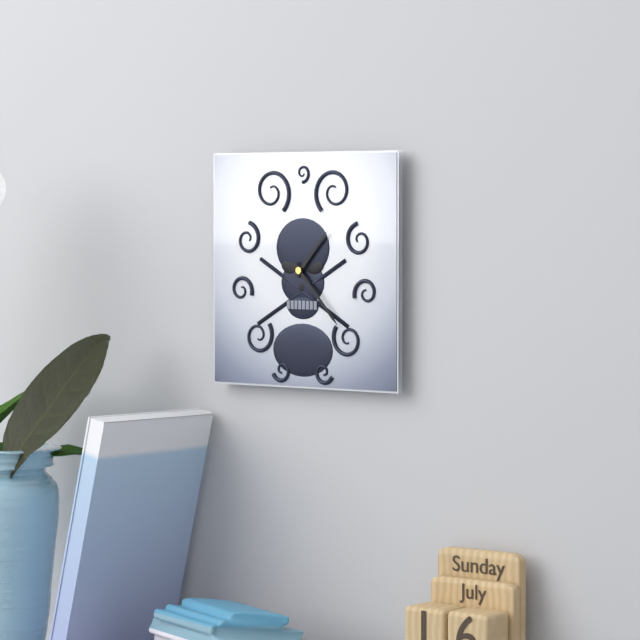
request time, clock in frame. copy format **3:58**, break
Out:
**1:23**
